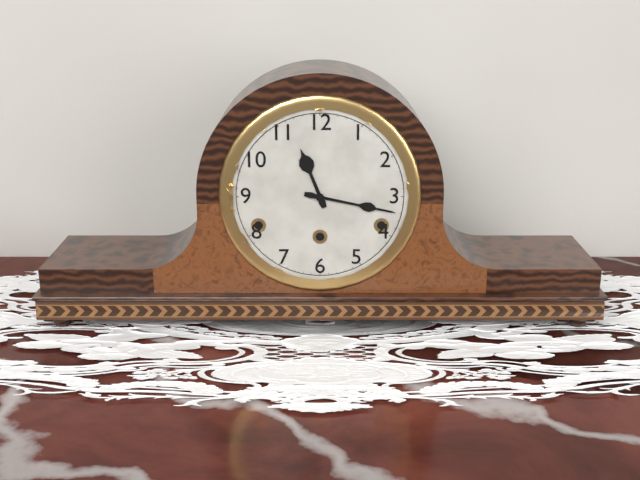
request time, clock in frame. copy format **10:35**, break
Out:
**11:17**
